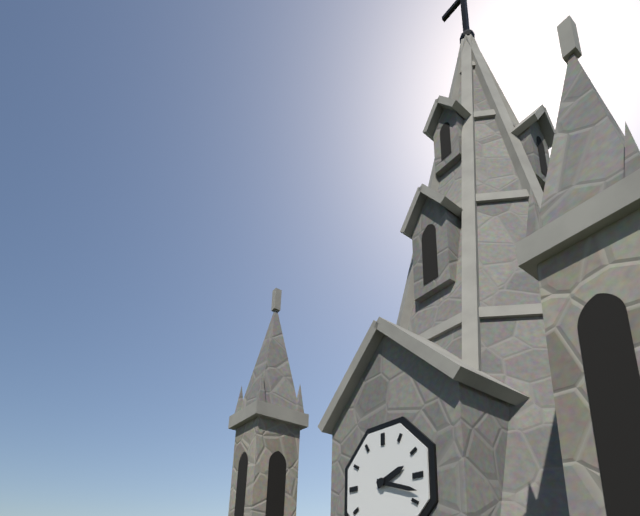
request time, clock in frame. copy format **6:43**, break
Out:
**2:18**
